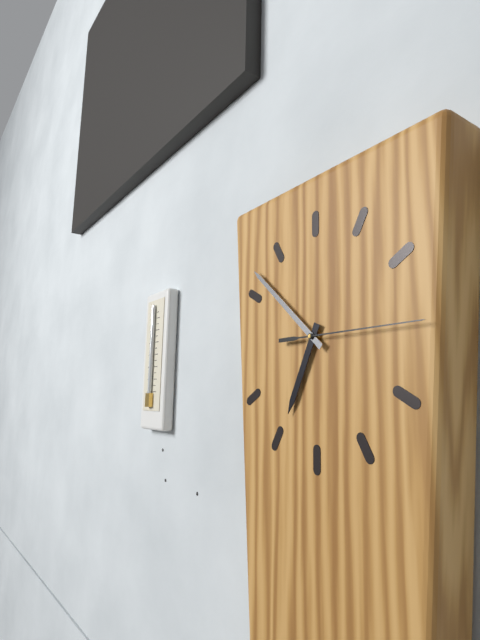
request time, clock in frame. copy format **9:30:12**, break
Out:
**6:52:15**
